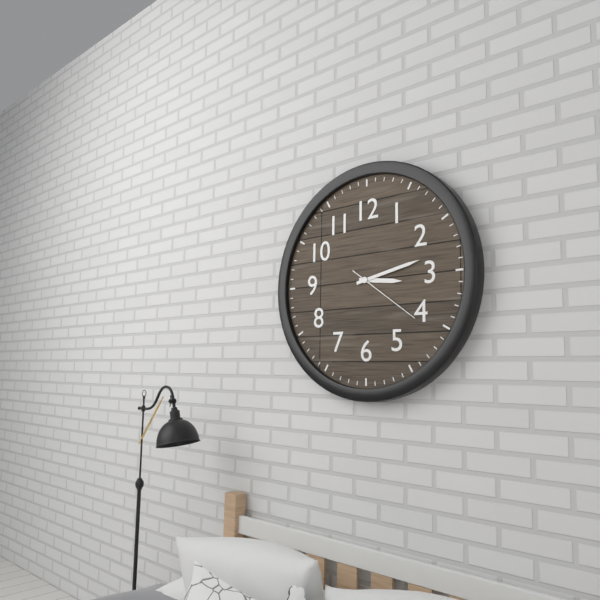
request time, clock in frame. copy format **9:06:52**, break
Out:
**3:13:21**
